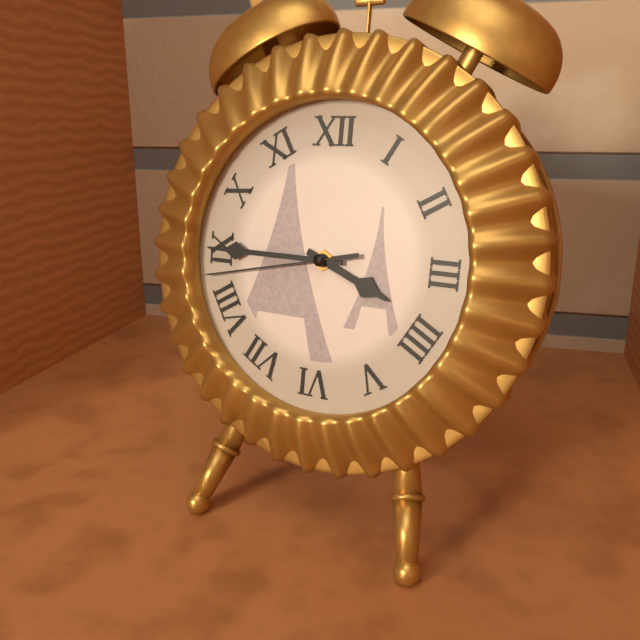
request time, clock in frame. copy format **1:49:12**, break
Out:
**3:45:43**
